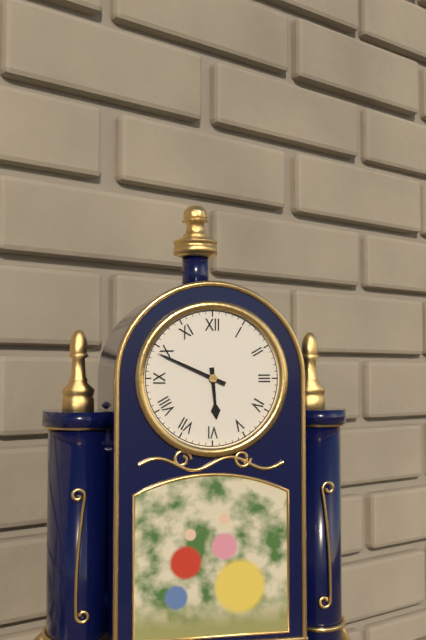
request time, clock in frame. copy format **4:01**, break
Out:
**5:49**
